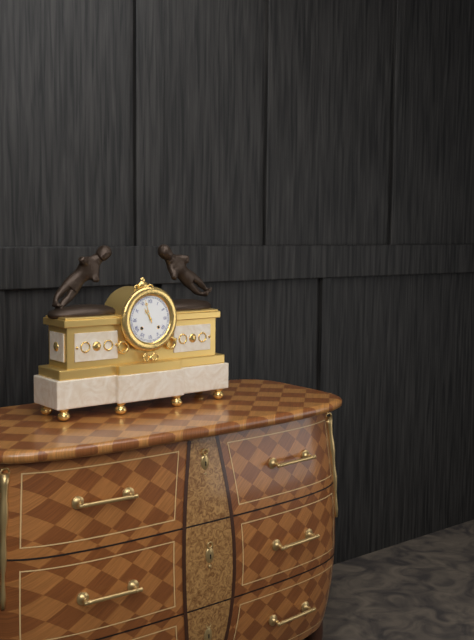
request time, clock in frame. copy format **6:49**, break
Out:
**10:57**
